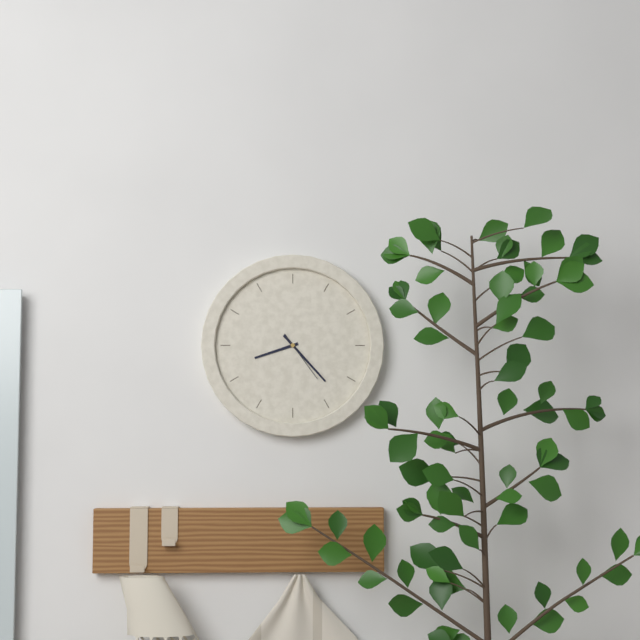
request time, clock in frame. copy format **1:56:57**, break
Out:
**8:23:24**
